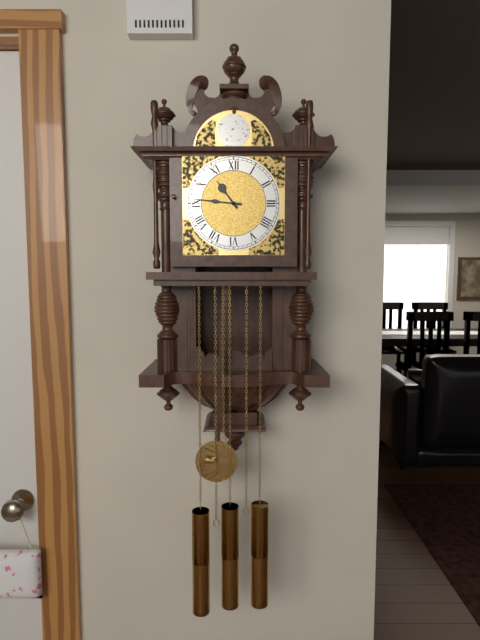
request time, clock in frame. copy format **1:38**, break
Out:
**10:46**
